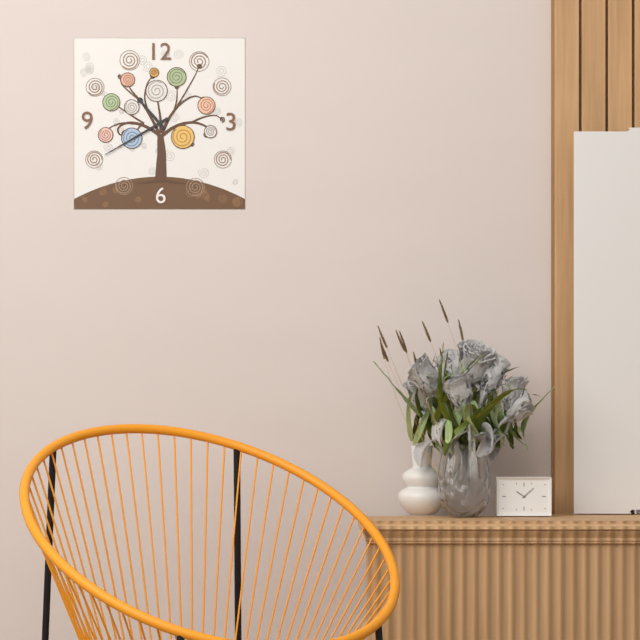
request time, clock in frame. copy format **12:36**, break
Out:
**10:40**
